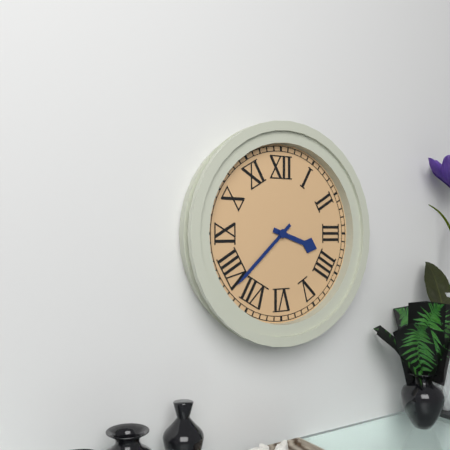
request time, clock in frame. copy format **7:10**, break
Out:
**3:38**
